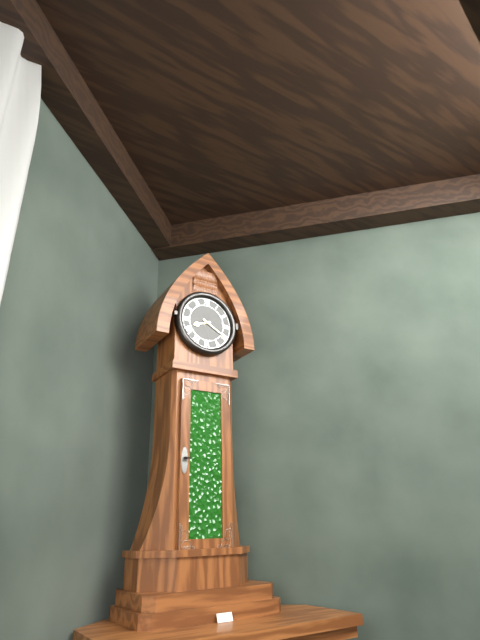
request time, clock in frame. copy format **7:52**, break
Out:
**8:20**
